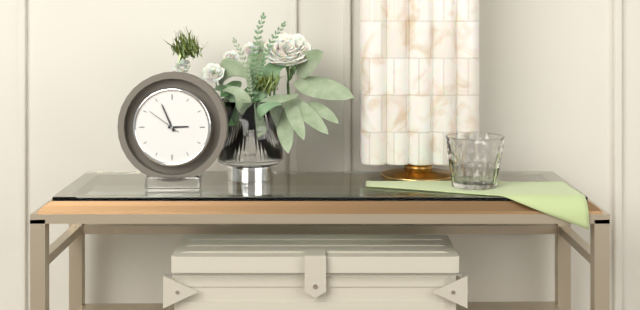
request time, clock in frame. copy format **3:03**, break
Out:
**2:56**
